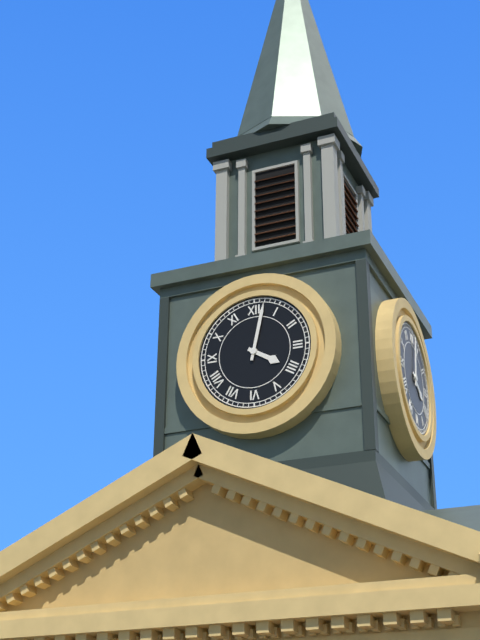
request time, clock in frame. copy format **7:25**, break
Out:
**4:02**
